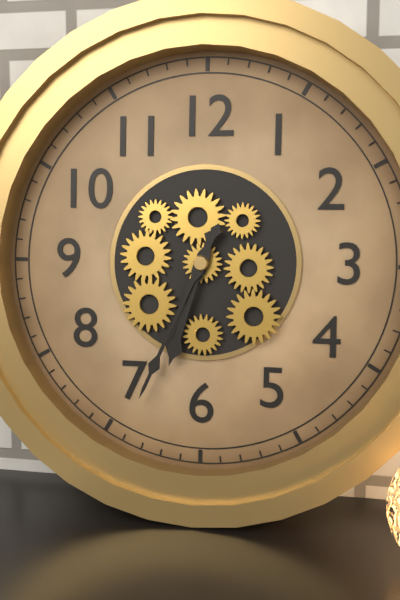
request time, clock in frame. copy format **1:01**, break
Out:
**6:34**
